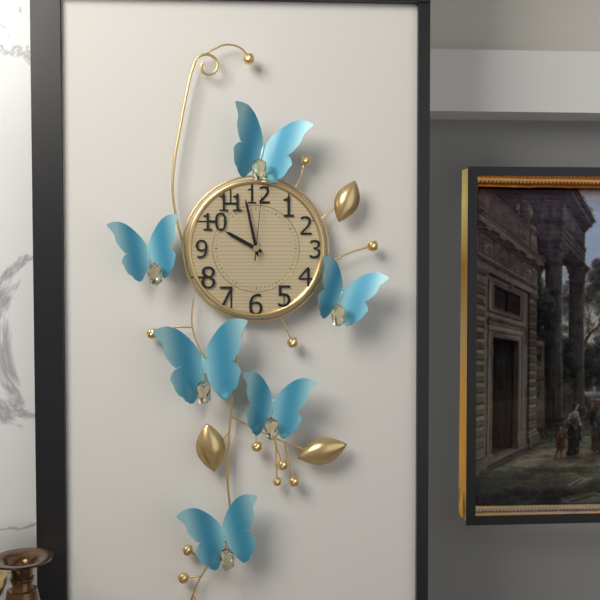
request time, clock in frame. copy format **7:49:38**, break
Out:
**9:58:01**
